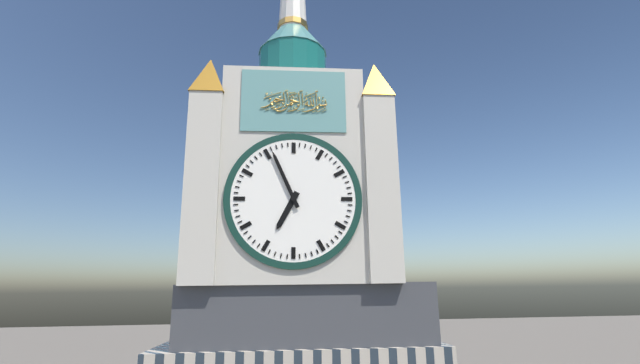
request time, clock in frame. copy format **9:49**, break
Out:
**6:56**
